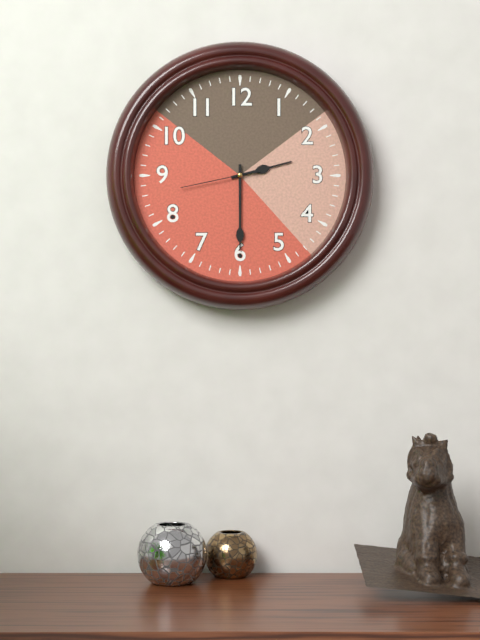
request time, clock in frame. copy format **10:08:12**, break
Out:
**2:30:43**
